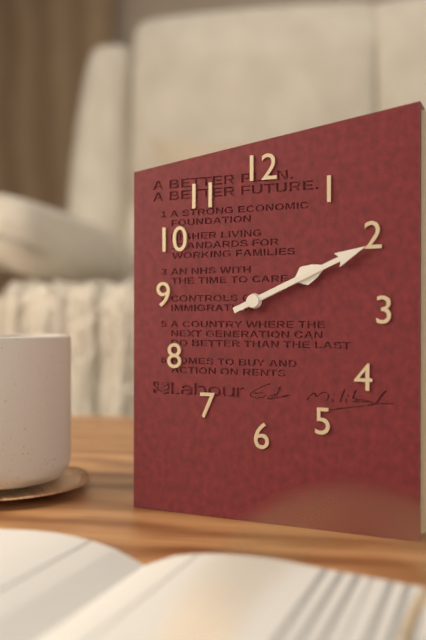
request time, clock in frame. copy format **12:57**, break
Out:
**2:11**
